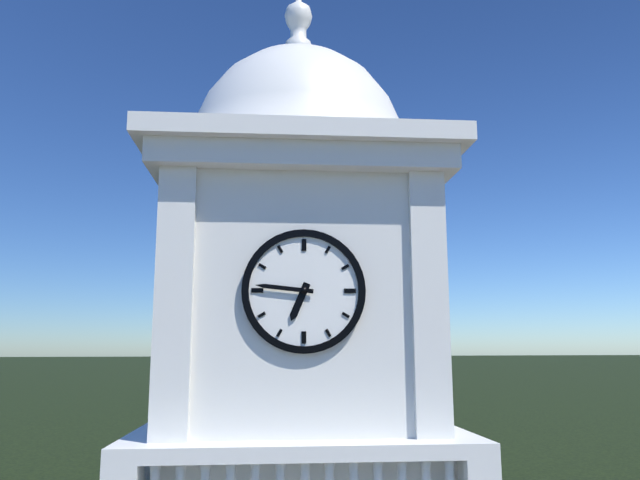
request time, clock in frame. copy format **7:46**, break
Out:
**6:46**
